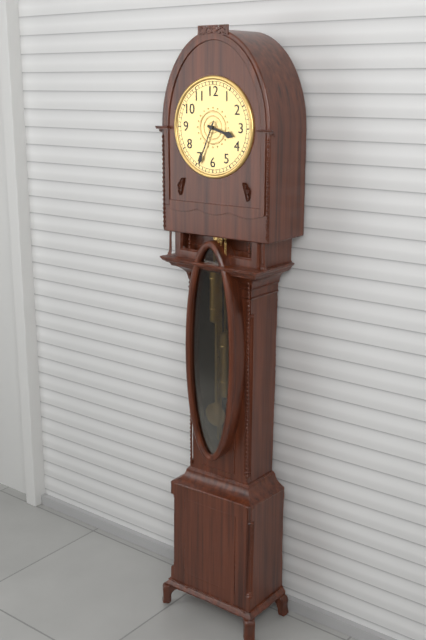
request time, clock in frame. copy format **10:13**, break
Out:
**3:34**
